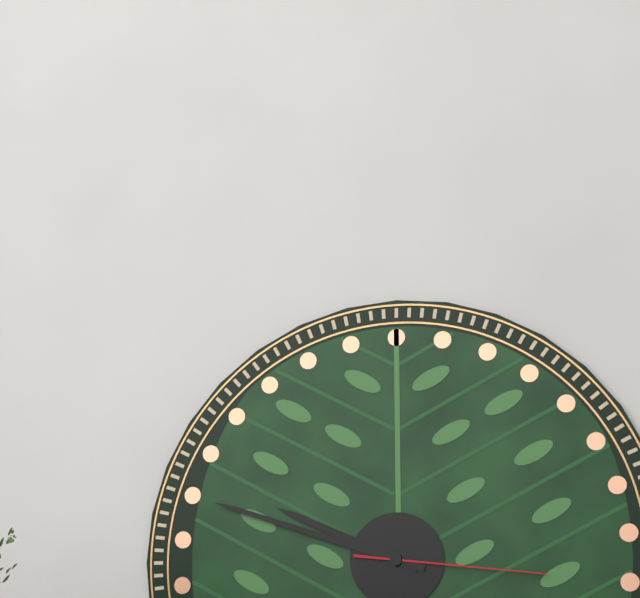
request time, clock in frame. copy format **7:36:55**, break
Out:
**9:48:16**
